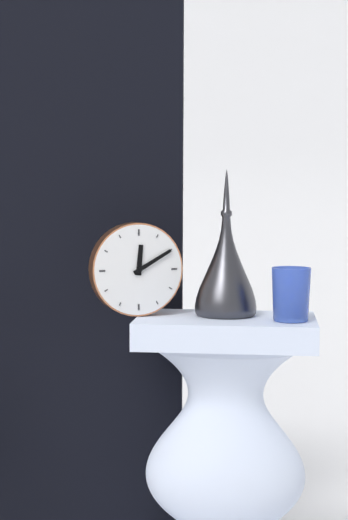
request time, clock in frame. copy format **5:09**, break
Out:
**12:10**
